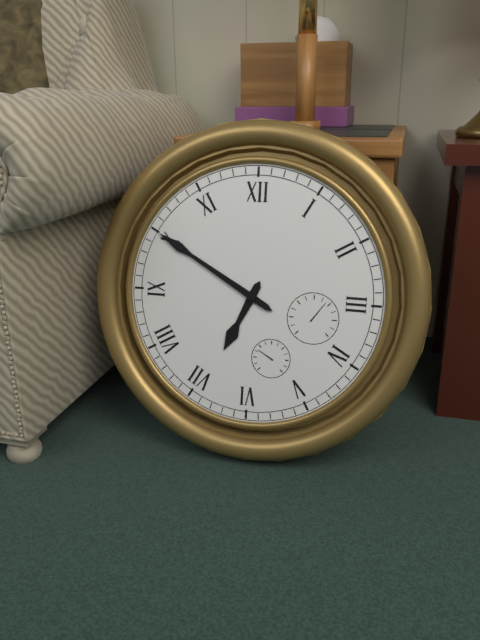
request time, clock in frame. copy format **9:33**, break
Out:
**6:50**
